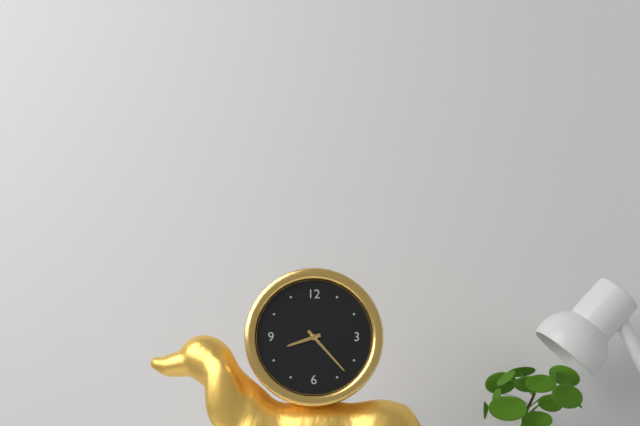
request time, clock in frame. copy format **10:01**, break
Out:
**8:23**
